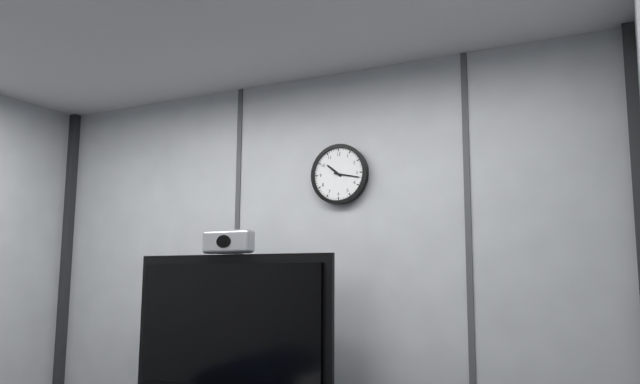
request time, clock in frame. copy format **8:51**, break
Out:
**10:17**
